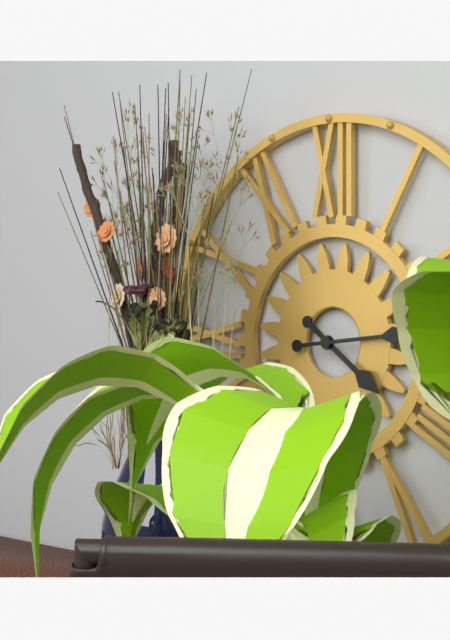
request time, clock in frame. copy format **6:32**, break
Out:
**4:14**
